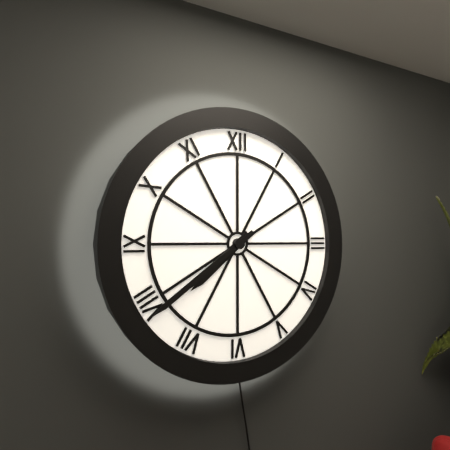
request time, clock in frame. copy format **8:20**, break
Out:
**7:39**
